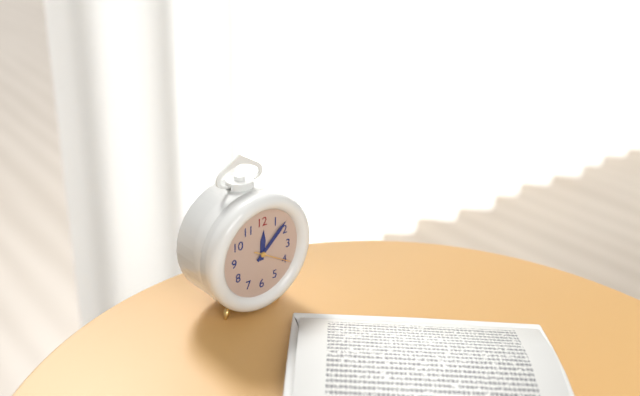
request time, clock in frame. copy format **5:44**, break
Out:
**12:08**
